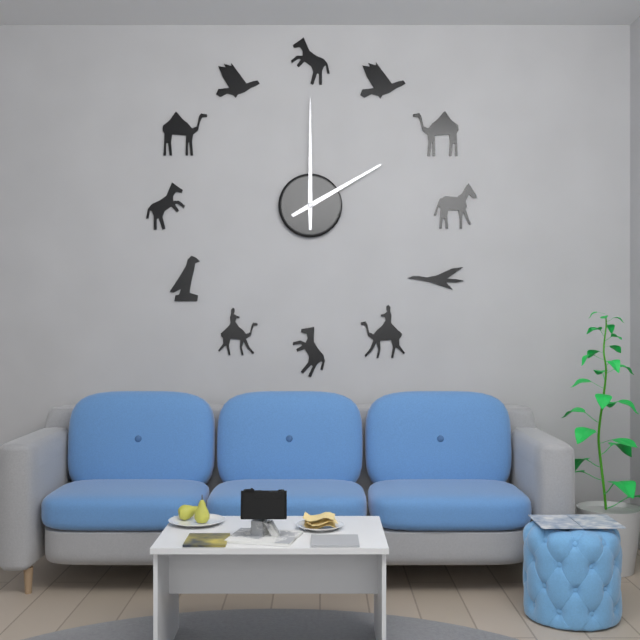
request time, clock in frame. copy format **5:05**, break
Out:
**2:00**
